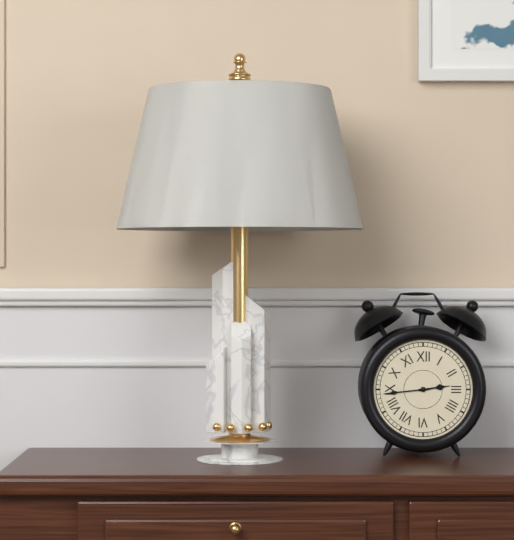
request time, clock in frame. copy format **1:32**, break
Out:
**2:44**
